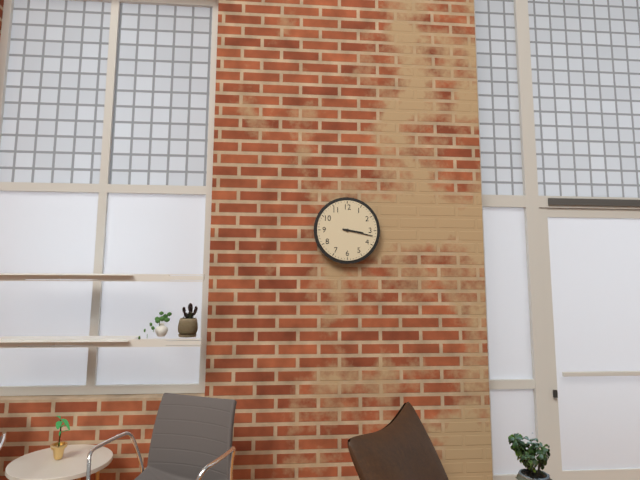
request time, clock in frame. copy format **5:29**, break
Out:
**3:17**
